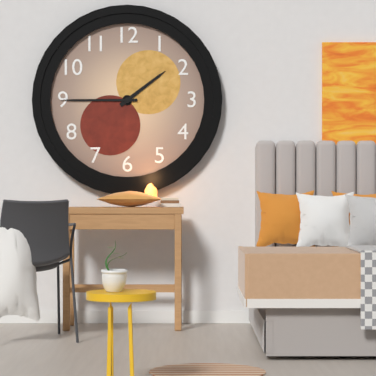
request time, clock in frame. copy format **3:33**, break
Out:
**1:45**
